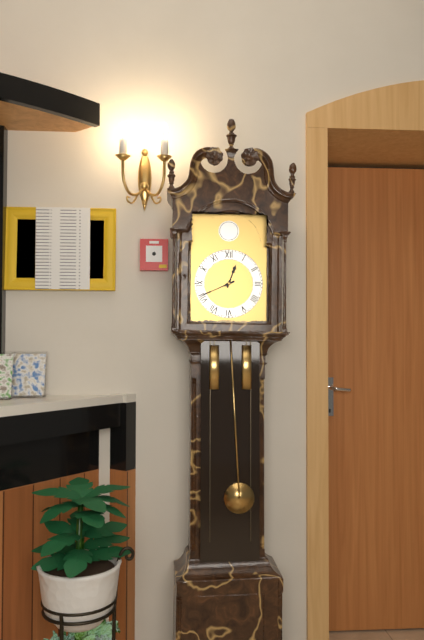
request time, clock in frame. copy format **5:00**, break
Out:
**12:41**
